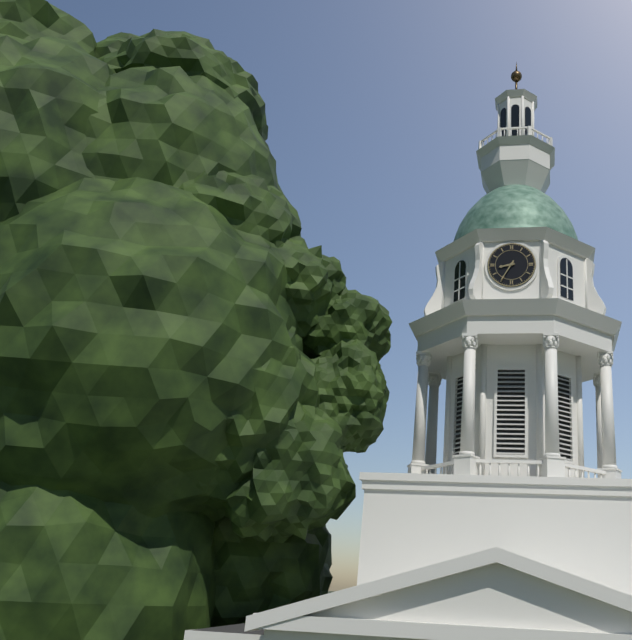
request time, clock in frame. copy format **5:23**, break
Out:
**8:35**
